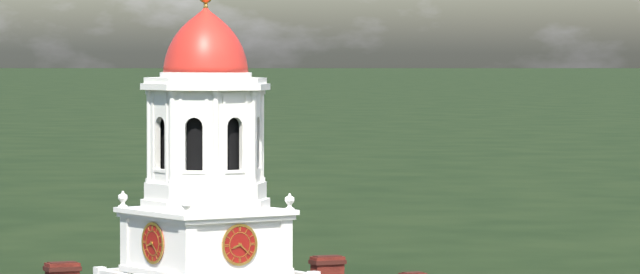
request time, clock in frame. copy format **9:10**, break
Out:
**8:22**
